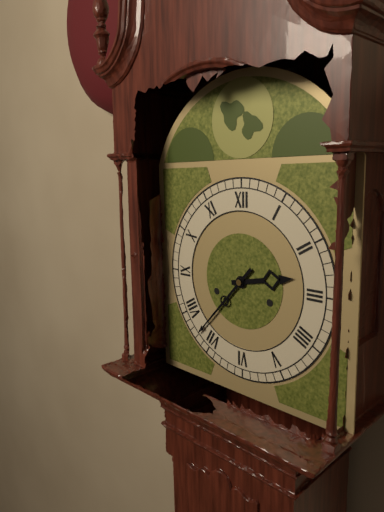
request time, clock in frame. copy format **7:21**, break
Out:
**2:37**
